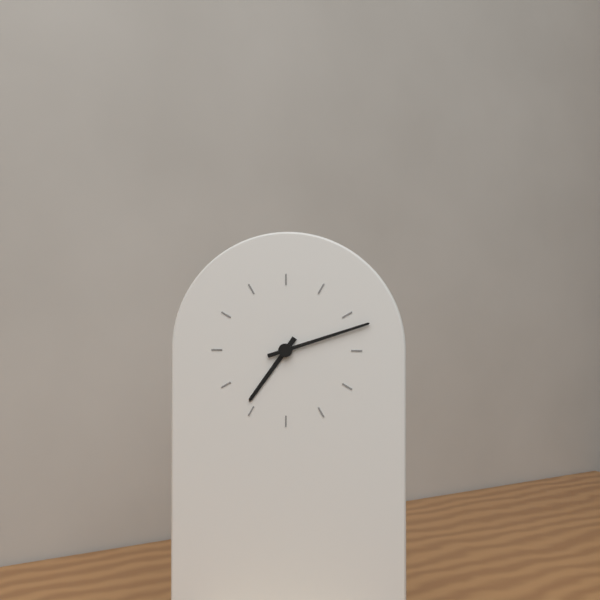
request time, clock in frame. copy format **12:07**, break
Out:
**7:12**
